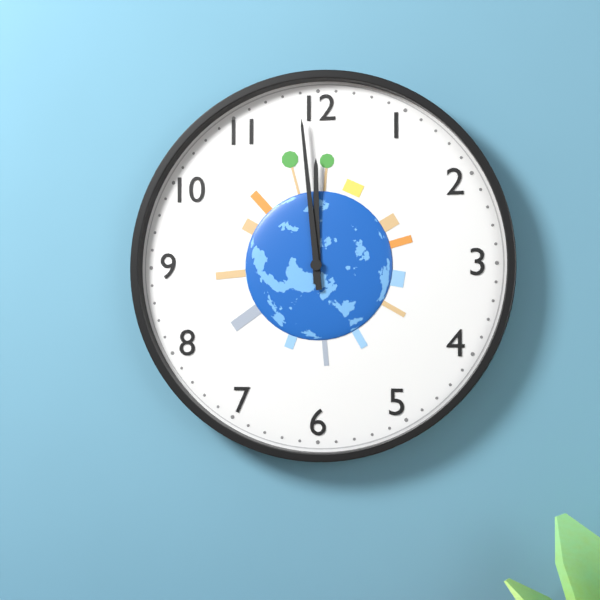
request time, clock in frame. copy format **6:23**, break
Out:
**11:59**
